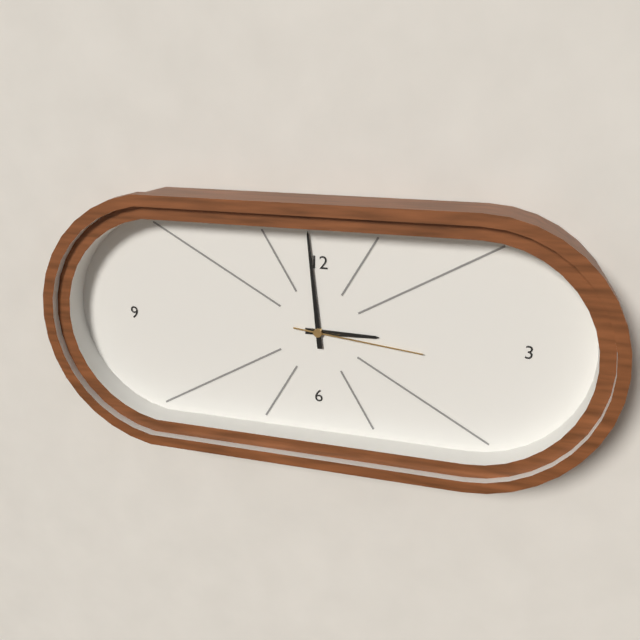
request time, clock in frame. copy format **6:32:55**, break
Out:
**2:59:16**
